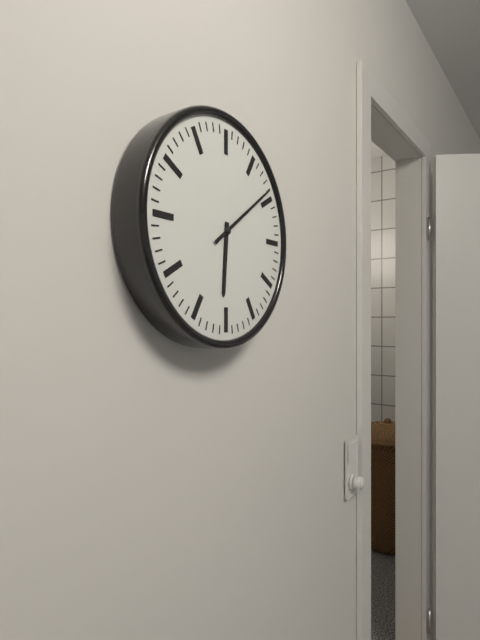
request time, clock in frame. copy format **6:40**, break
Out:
**6:09**
